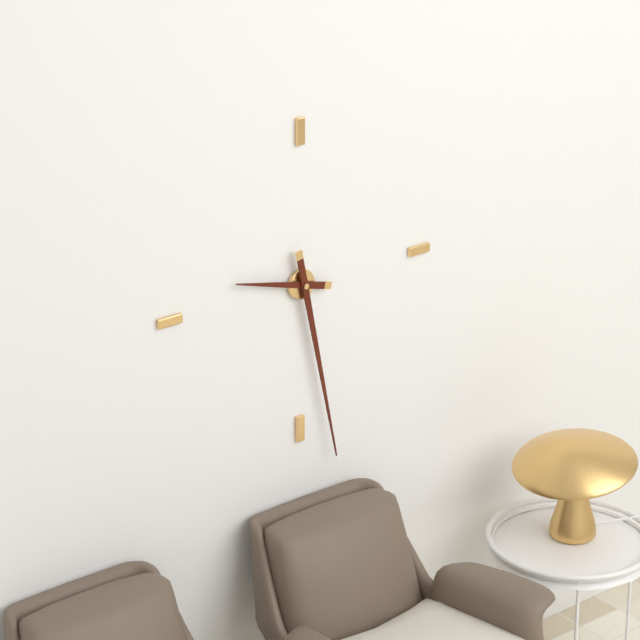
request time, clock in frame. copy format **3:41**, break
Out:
**9:28**
